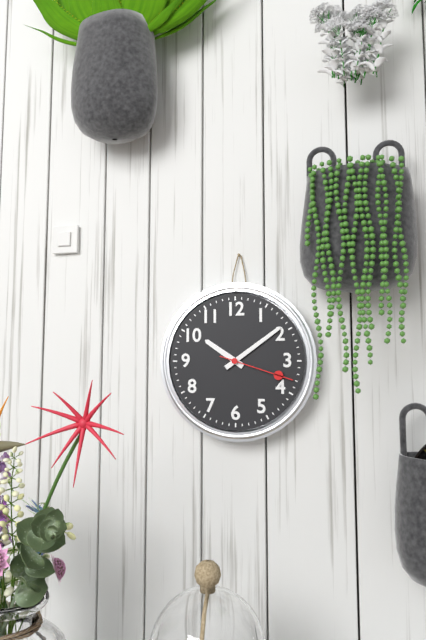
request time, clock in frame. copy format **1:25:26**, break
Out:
**10:09:18**
